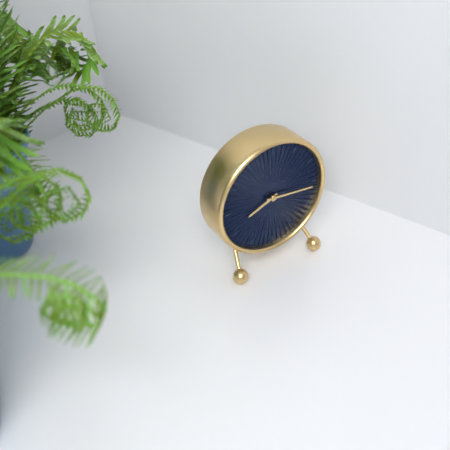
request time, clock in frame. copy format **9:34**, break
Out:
**8:16**
